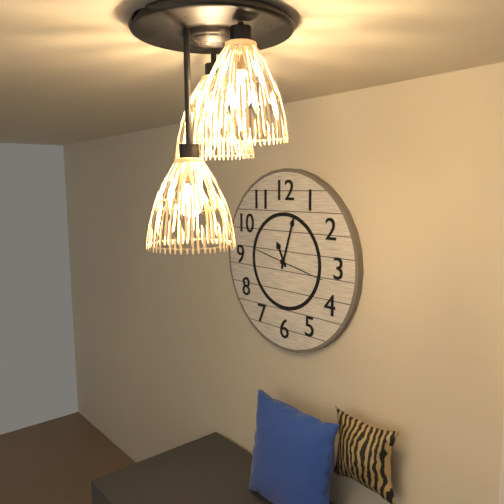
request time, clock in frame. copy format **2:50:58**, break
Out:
**11:03:17**
